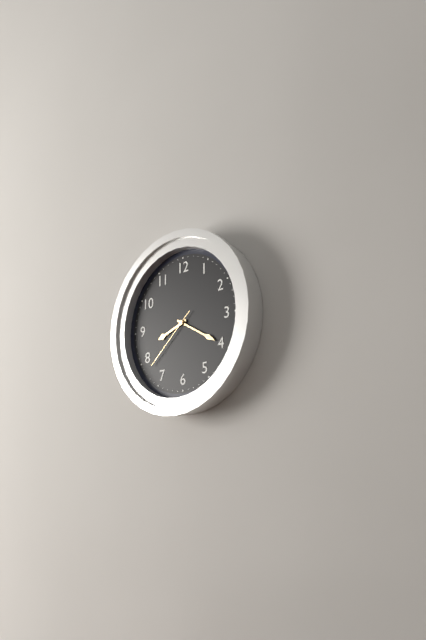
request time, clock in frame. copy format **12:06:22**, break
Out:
**8:20:38**
